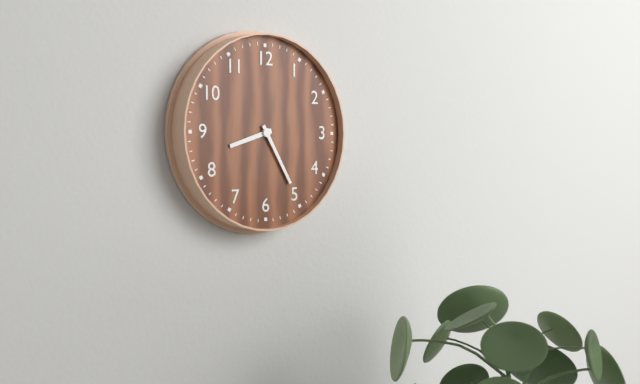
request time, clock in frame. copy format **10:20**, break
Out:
**8:25**
